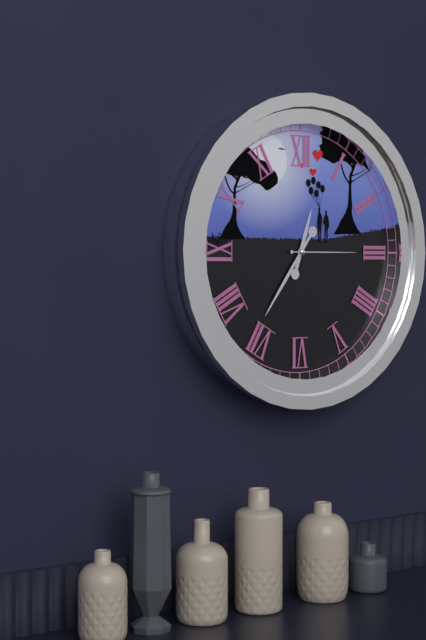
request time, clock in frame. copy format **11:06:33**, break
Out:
**12:36:15**
